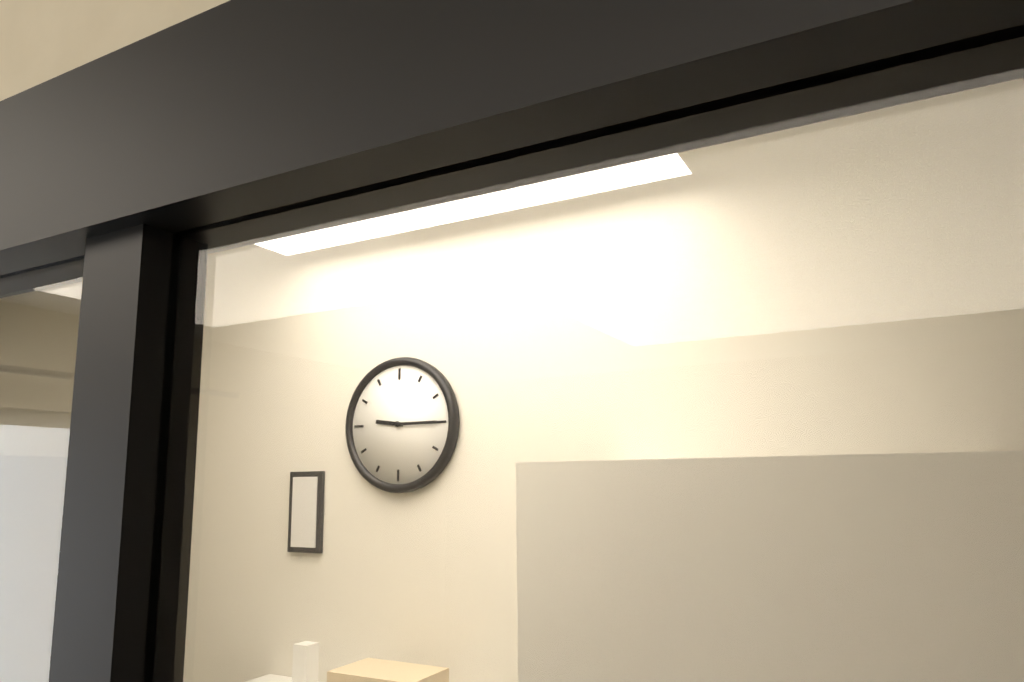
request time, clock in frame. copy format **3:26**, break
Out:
**9:15**
